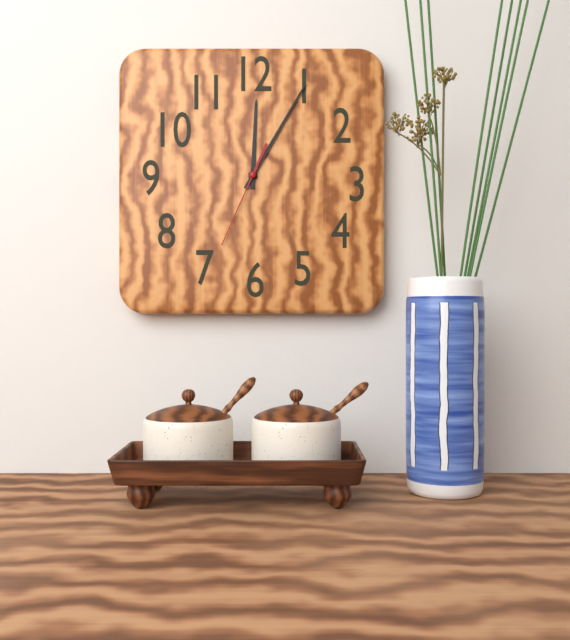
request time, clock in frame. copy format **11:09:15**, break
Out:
**12:05:34**
